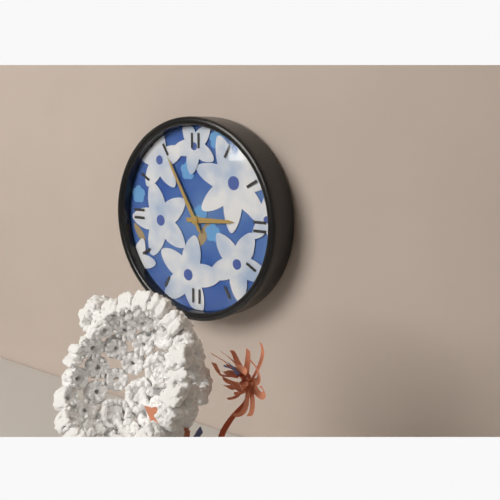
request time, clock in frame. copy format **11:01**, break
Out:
**2:55**
